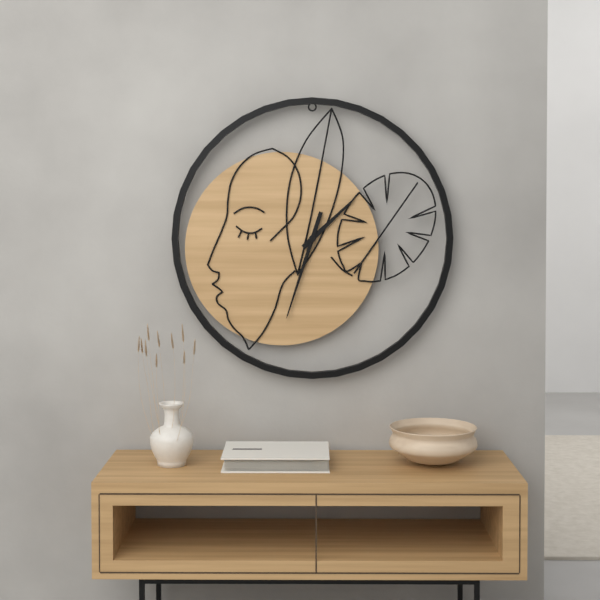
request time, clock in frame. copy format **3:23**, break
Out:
**1:33**
